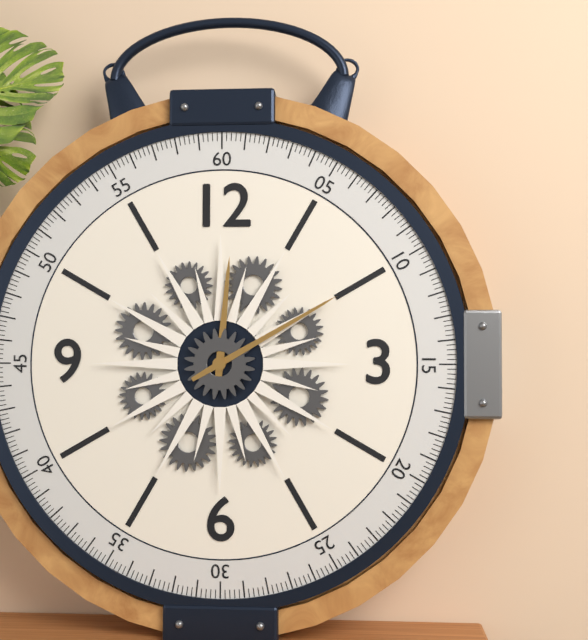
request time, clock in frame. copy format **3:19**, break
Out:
**12:10**
